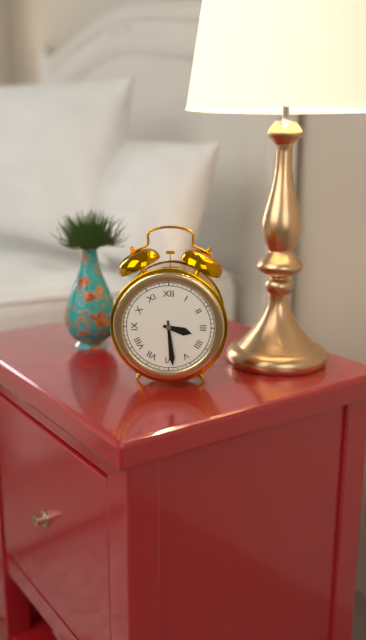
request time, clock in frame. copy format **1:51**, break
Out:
**3:29**
